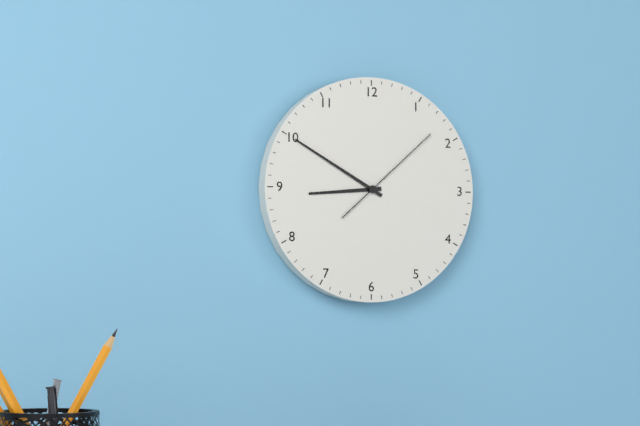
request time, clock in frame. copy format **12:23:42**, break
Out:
**8:50:08**
